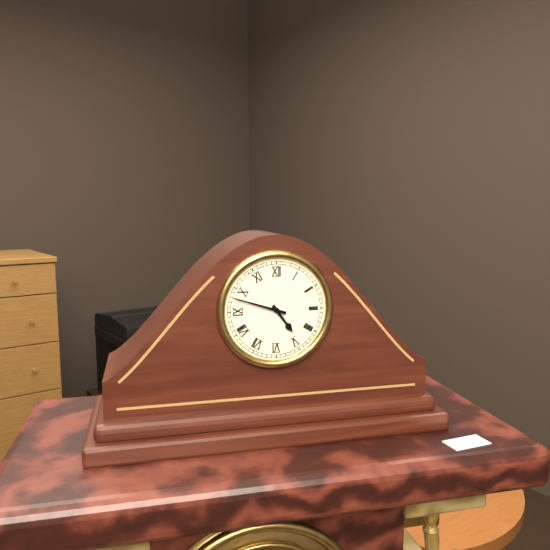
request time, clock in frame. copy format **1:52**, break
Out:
**4:48**
